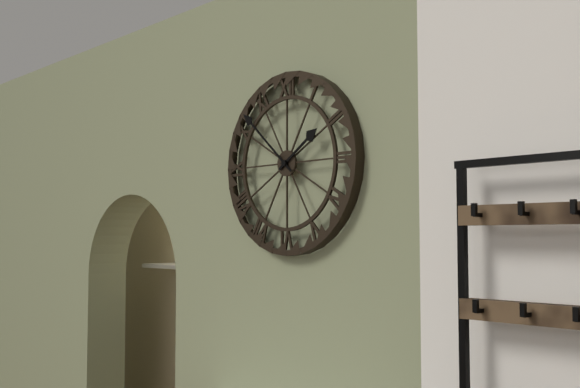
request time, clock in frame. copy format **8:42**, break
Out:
**1:52**
